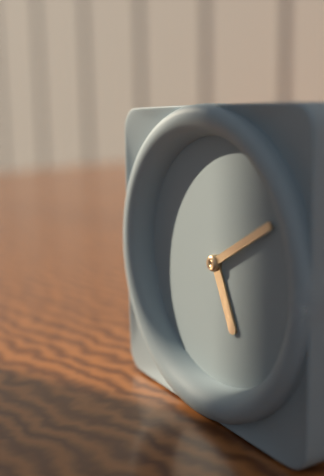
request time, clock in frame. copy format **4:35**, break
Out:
**5:10**
